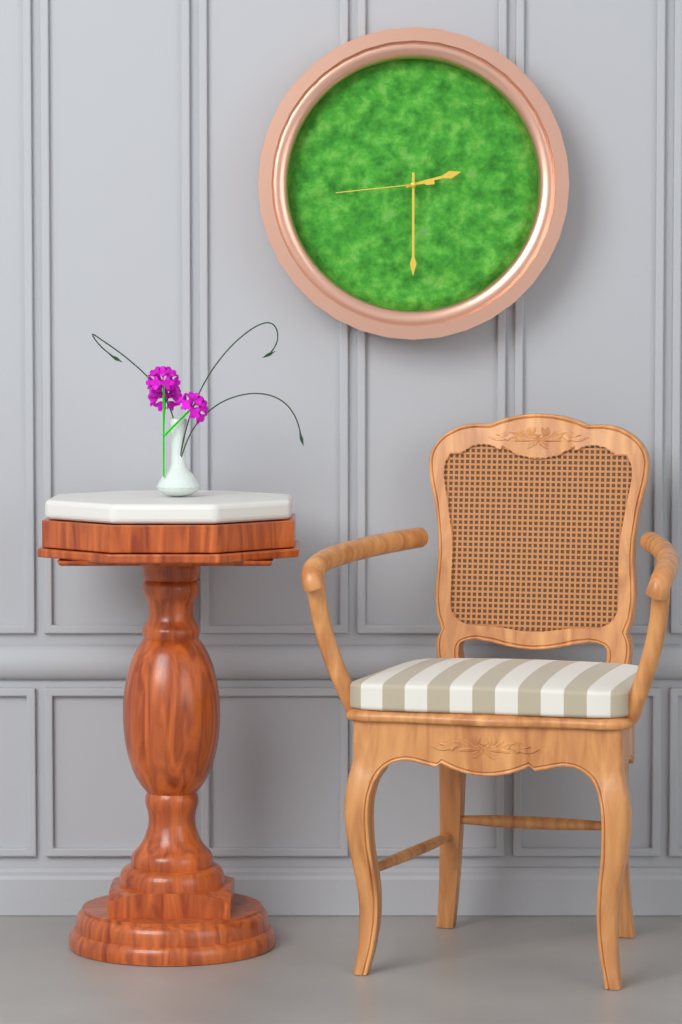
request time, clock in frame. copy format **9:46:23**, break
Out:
**2:30:44**
